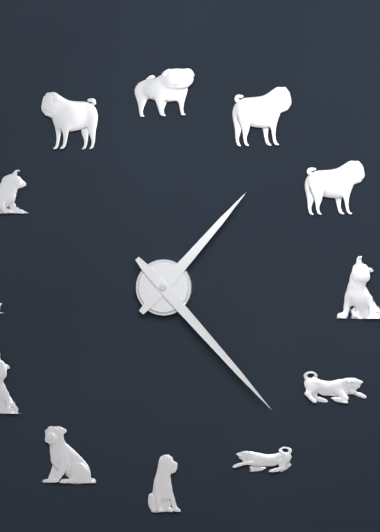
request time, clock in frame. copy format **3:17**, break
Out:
**1:23**
